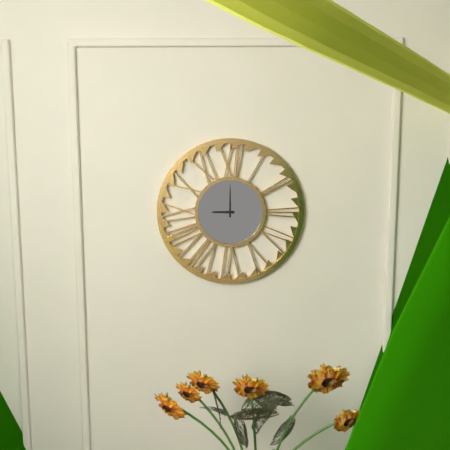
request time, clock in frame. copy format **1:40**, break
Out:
**9:00**
